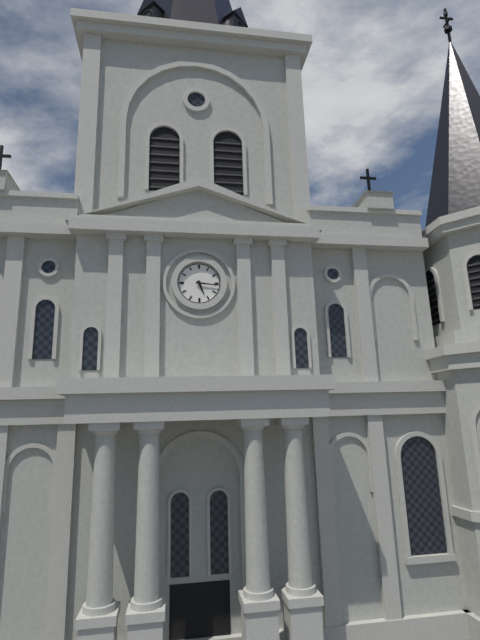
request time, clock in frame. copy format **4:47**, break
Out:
**5:16**
